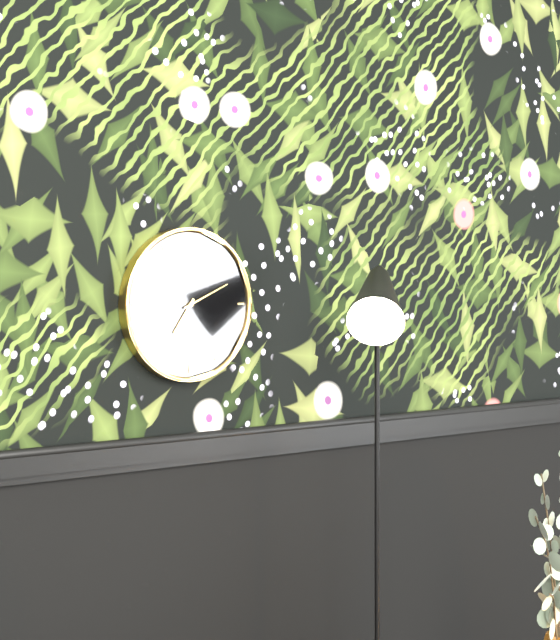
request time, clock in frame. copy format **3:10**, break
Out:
**7:11**
